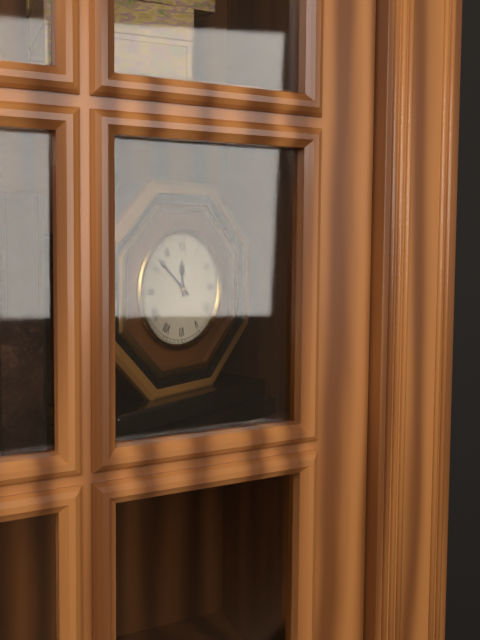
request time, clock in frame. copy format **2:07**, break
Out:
**11:52**
